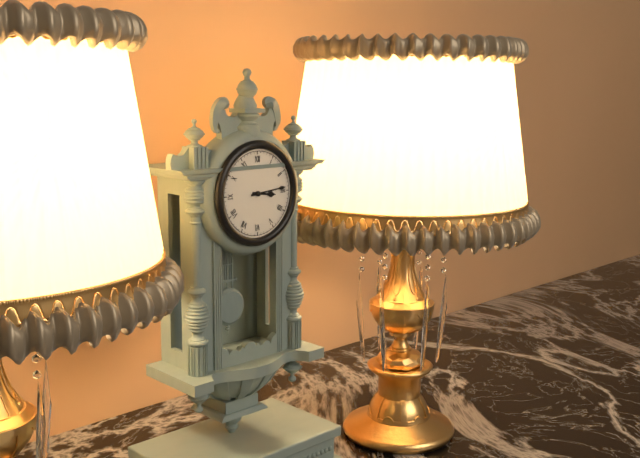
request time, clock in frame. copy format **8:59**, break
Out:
**3:14**
